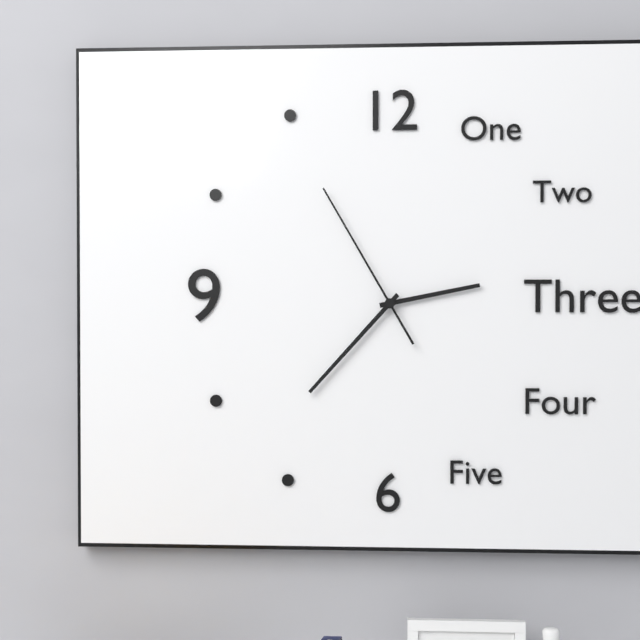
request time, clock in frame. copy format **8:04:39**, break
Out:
**2:37:55**
